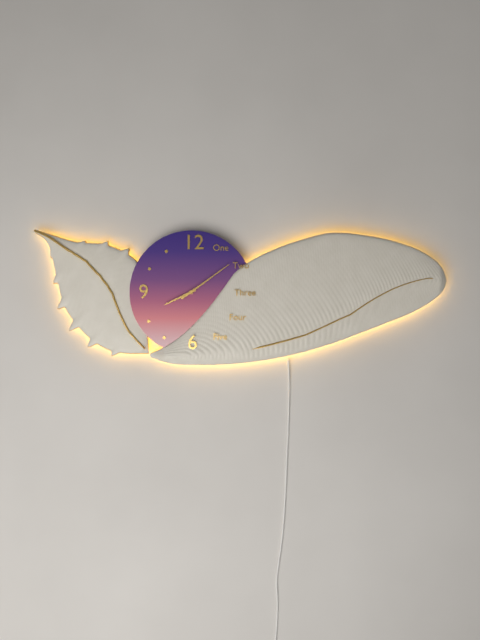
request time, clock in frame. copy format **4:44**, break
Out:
**8:09**
